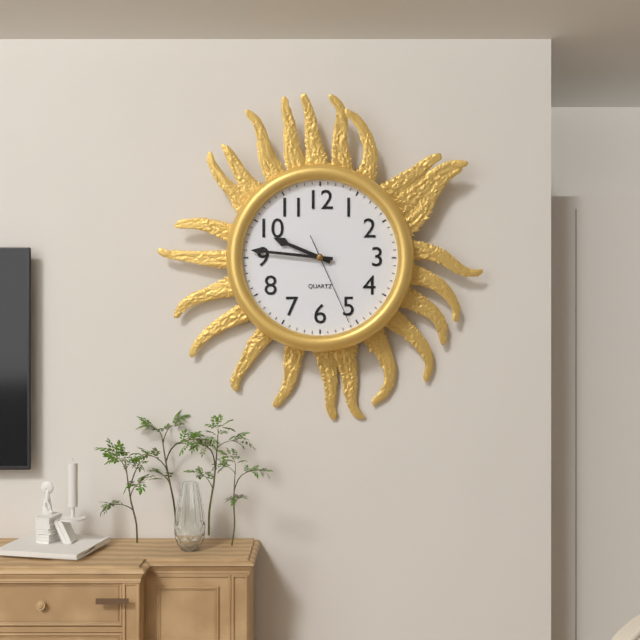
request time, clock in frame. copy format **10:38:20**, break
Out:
**9:46:26**
